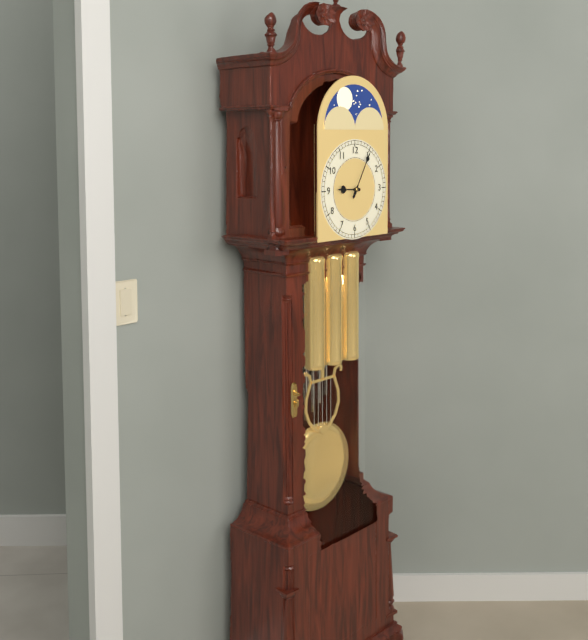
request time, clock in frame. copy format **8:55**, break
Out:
**9:05**
